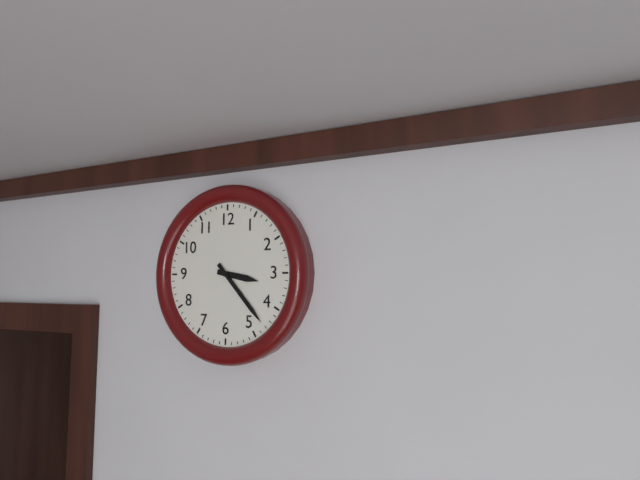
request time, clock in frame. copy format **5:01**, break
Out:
**3:23**
